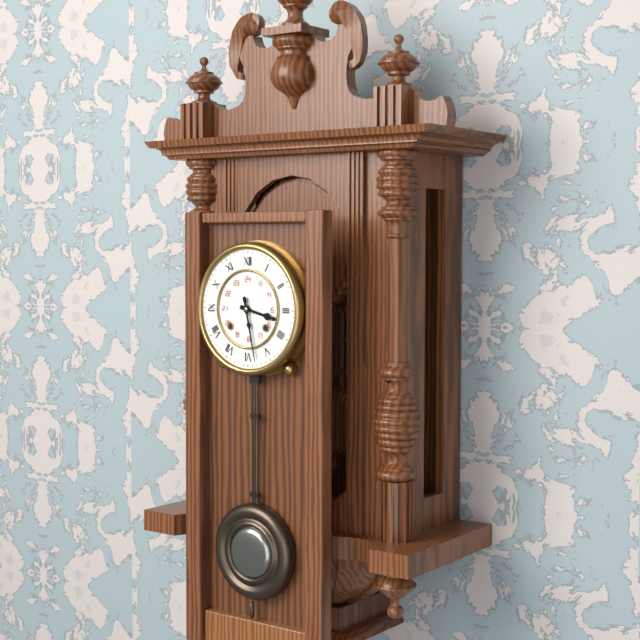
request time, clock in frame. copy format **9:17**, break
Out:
**3:28**
